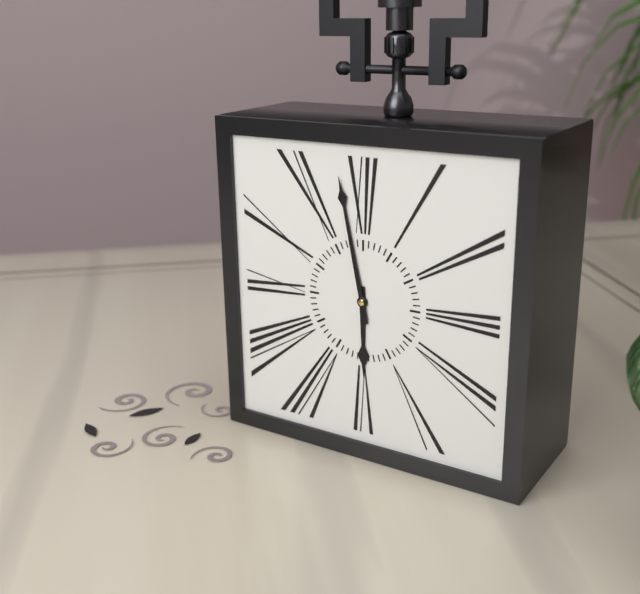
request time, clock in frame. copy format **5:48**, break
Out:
**5:58**
